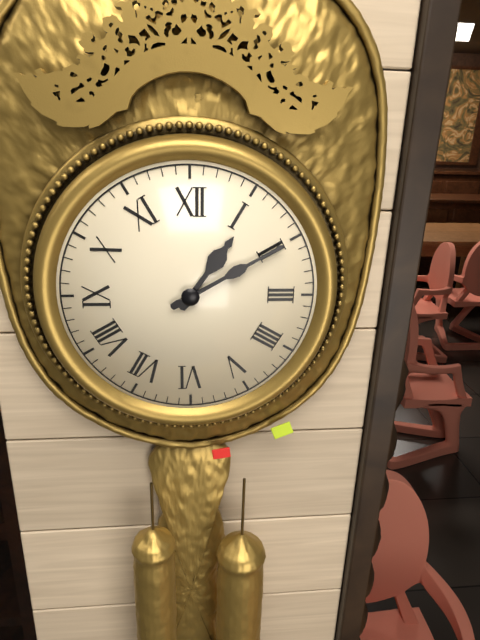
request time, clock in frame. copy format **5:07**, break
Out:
**1:10**
